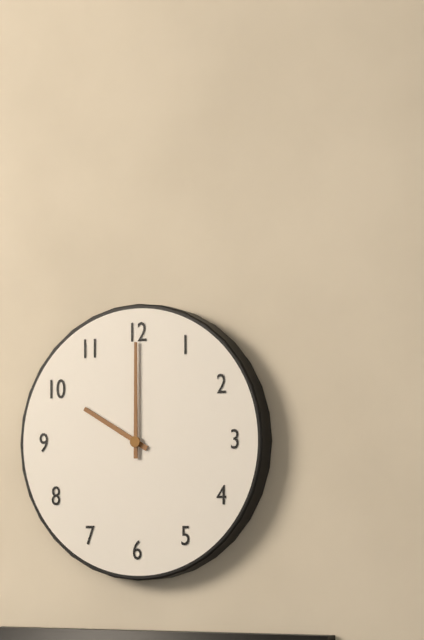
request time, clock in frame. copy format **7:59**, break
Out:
**10:00**
